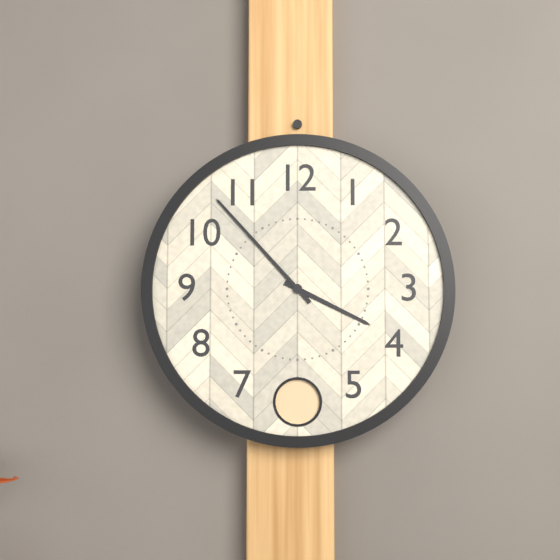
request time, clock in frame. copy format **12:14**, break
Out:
**3:53**
